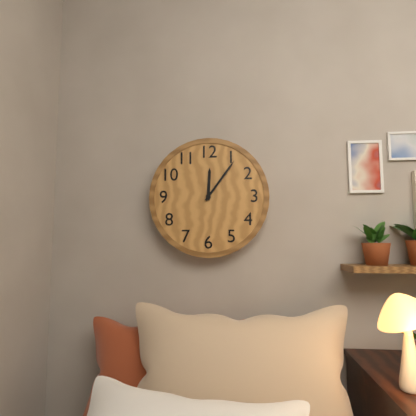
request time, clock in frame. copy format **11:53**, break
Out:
**12:06**
